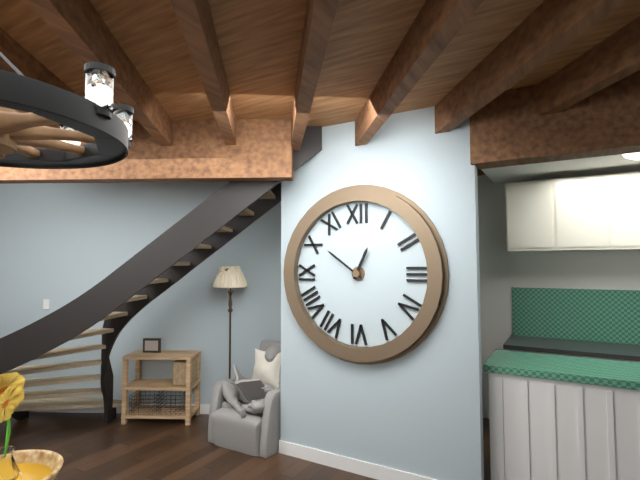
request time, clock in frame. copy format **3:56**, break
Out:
**12:51**
